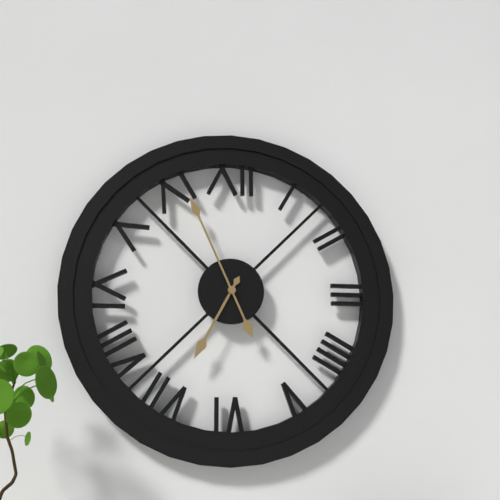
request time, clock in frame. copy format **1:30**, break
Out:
**6:56**
